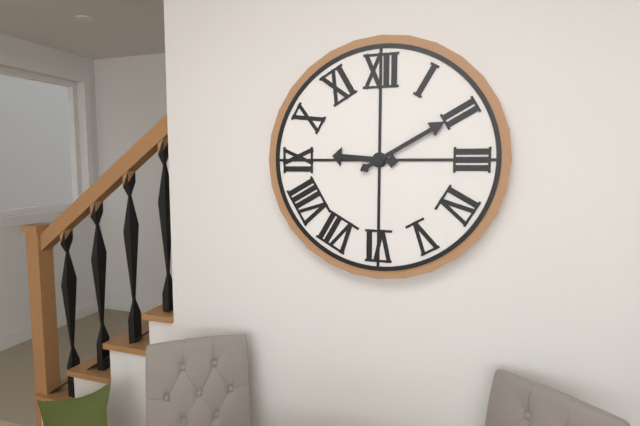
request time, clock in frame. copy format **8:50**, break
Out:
**9:10**
